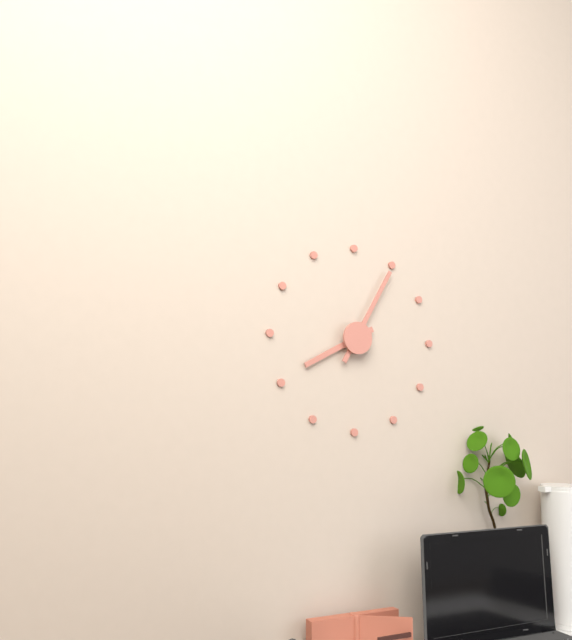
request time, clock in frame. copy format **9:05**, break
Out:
**8:05**
